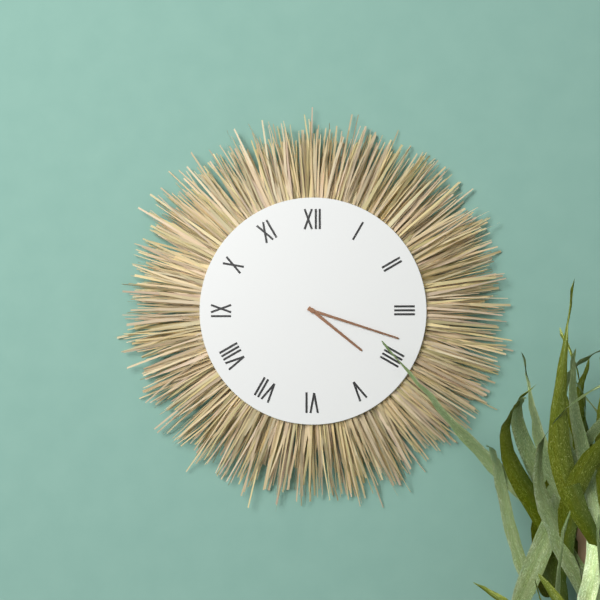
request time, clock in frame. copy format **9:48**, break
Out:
**4:18**
